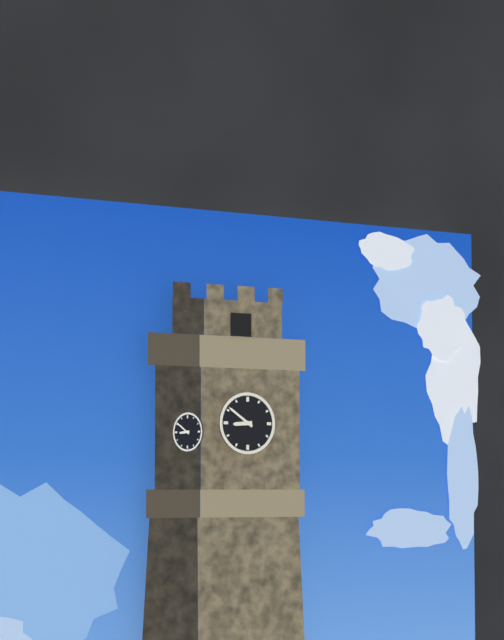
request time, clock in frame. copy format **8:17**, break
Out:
**8:51**
